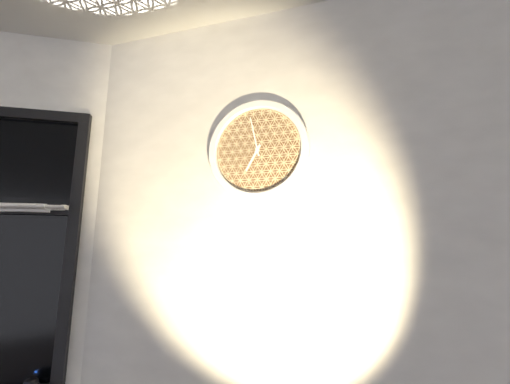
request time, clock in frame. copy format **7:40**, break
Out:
**6:58**
